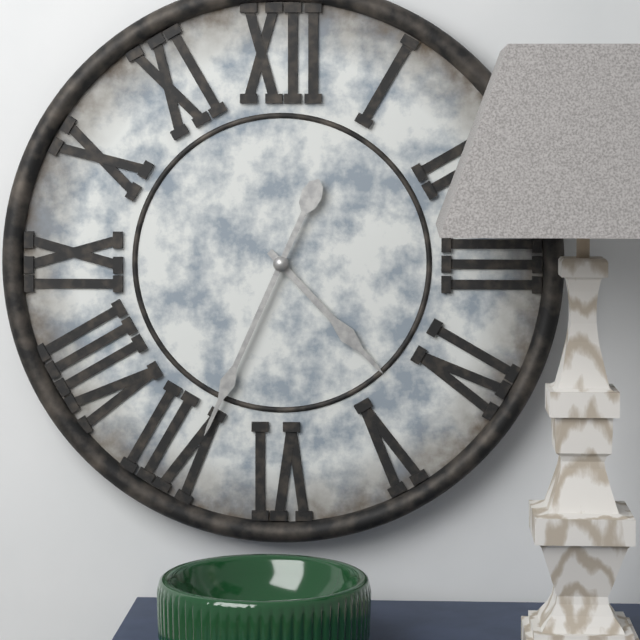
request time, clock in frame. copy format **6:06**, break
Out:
**4:34**
